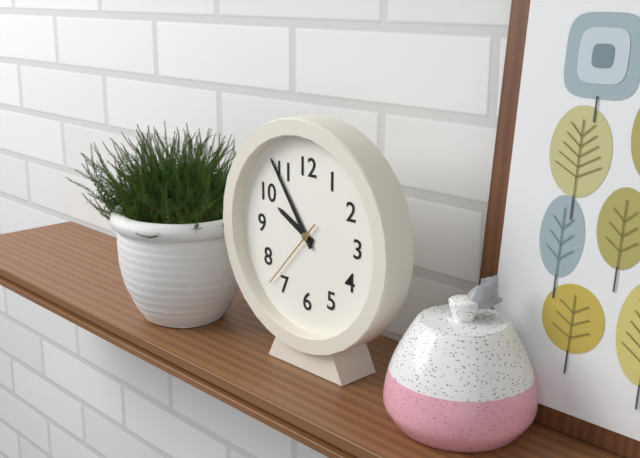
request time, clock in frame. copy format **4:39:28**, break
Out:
**9:54:37**
